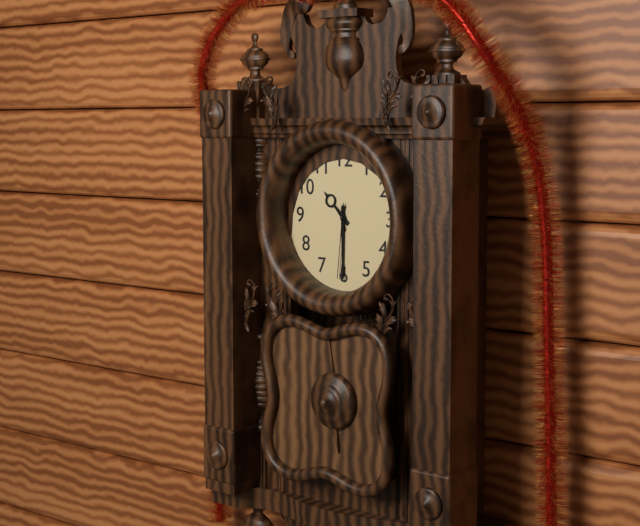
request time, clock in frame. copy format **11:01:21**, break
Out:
**10:30:31**
